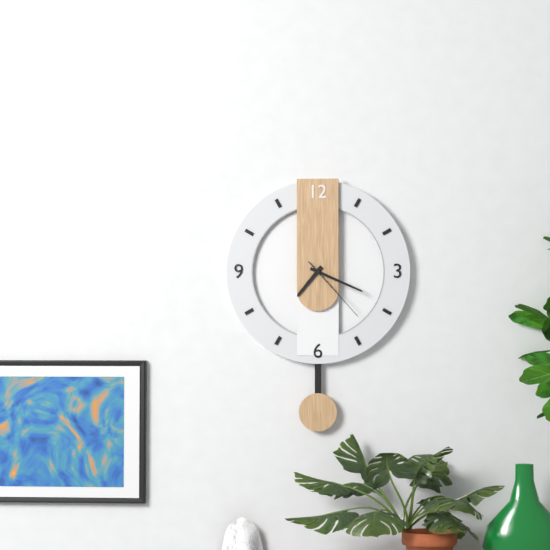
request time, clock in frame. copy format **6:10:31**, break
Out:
**7:19:23**
